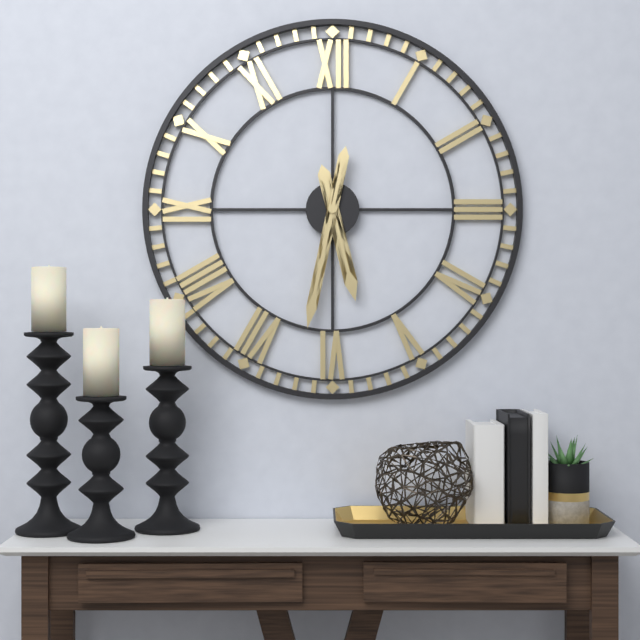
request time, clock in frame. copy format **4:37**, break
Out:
**5:32**
